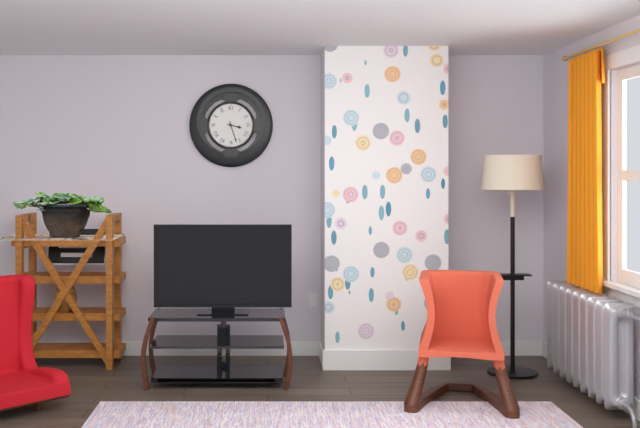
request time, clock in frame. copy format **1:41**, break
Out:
**3:27**
